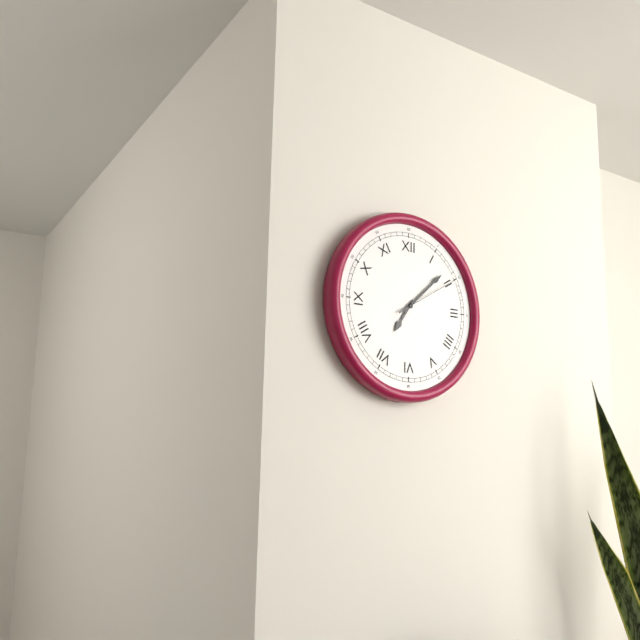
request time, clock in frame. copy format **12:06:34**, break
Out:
**7:08:10**
